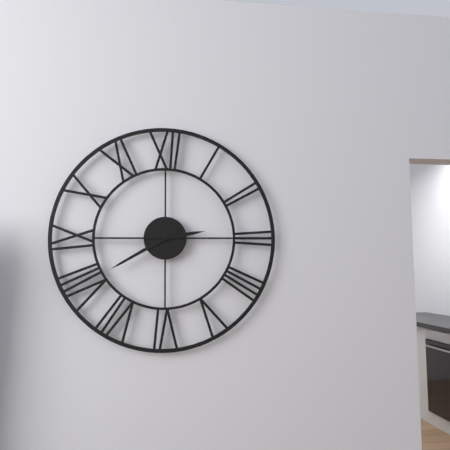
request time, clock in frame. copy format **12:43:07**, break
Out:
**2:40:45**
